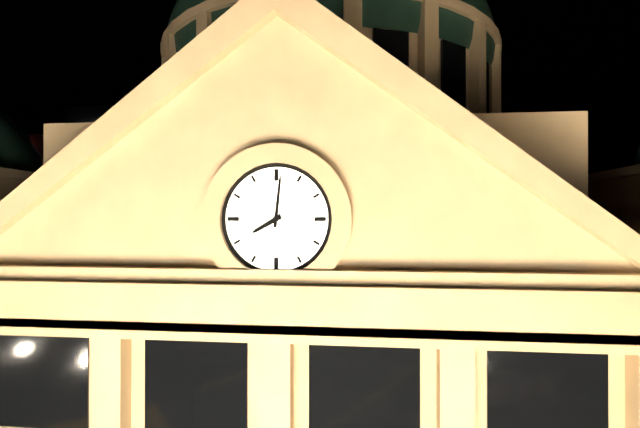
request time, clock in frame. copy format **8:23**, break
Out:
**8:01**
